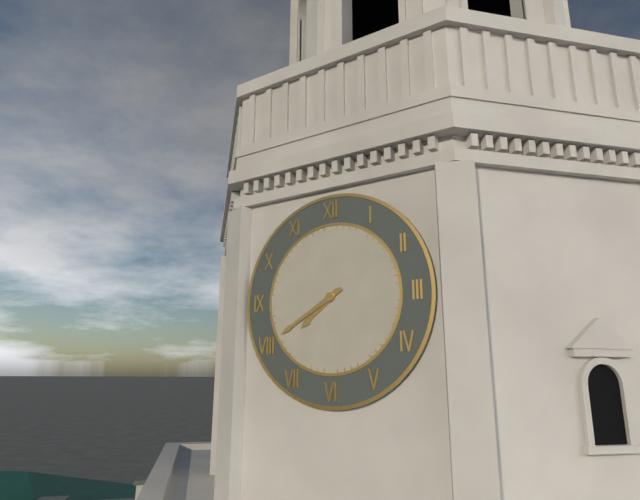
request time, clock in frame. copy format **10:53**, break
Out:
**7:40**
